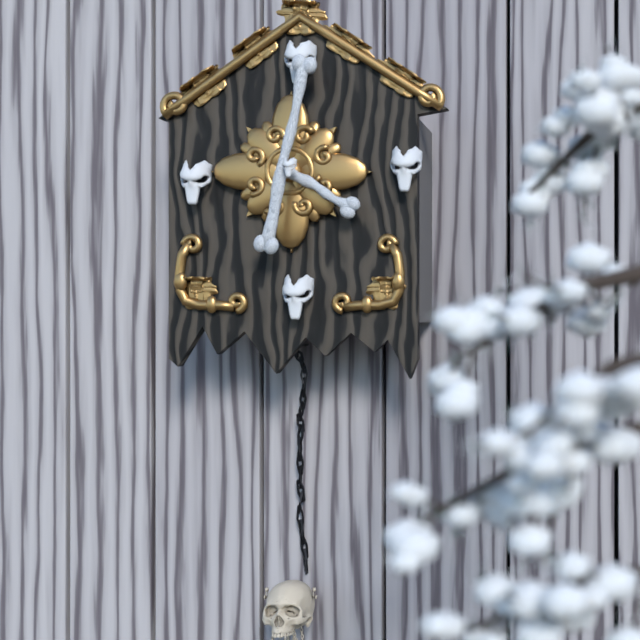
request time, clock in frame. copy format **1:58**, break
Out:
**4:02**
